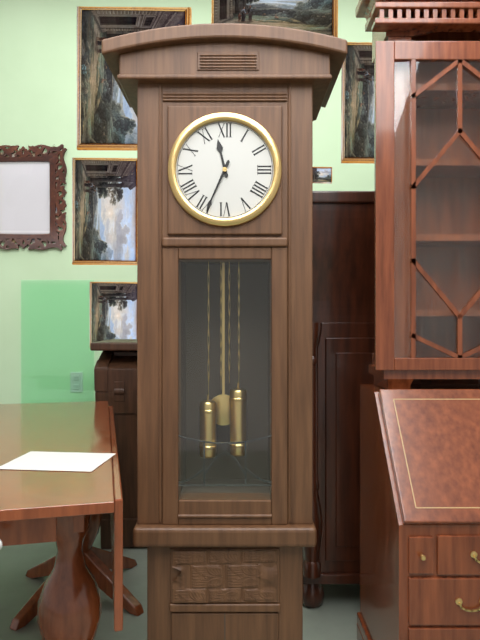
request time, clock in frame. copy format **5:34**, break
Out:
**11:34**
